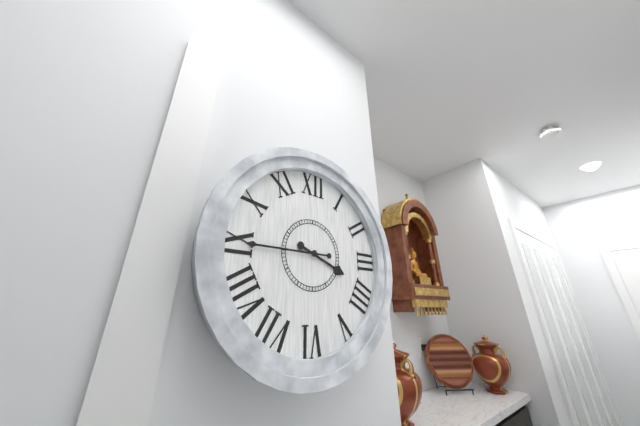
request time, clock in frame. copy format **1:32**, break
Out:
**3:45**
